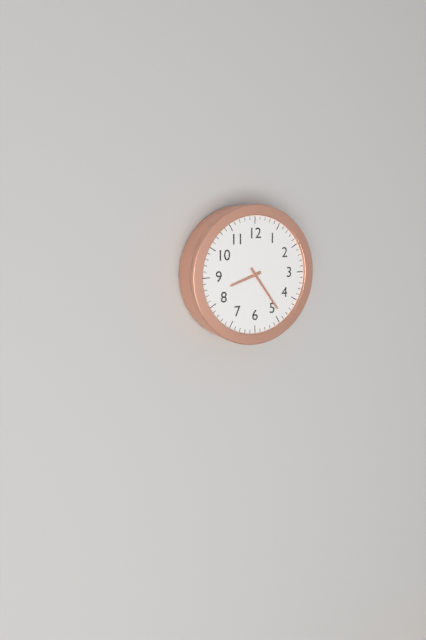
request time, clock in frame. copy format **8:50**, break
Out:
**8:24**
